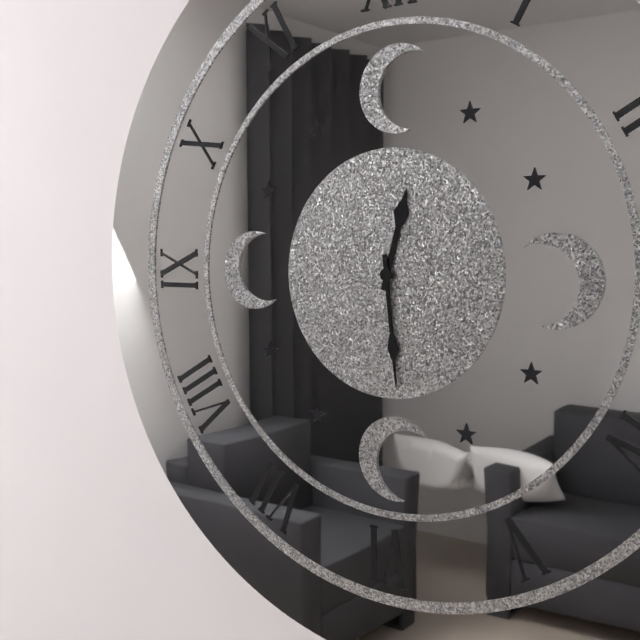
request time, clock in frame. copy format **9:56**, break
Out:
**12:29**
